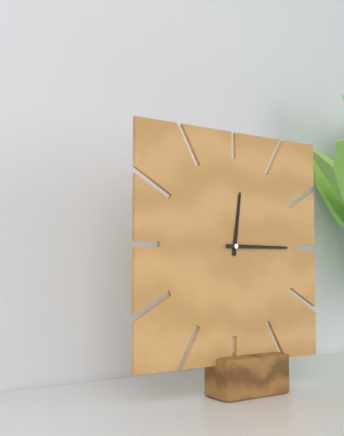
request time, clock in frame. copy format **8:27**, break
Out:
**12:15**
